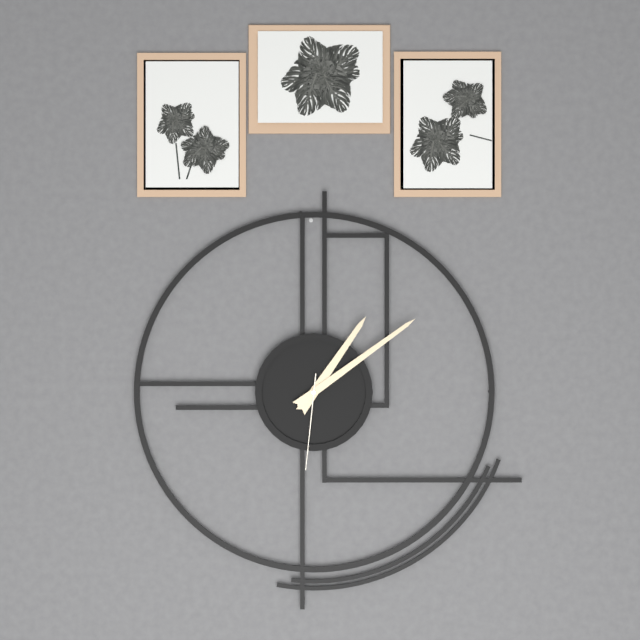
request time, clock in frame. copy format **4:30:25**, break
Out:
**1:09:31**
